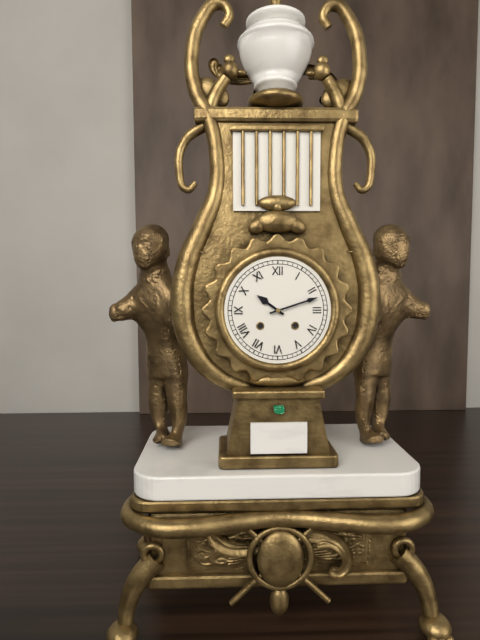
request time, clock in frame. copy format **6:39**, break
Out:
**10:12**
